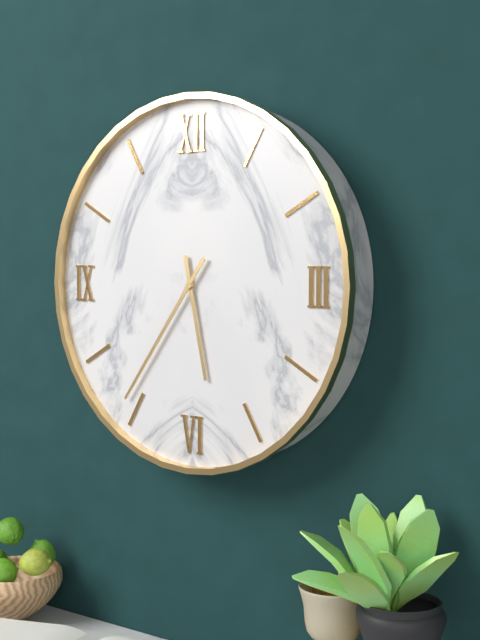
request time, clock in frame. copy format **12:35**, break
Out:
**5:36**
